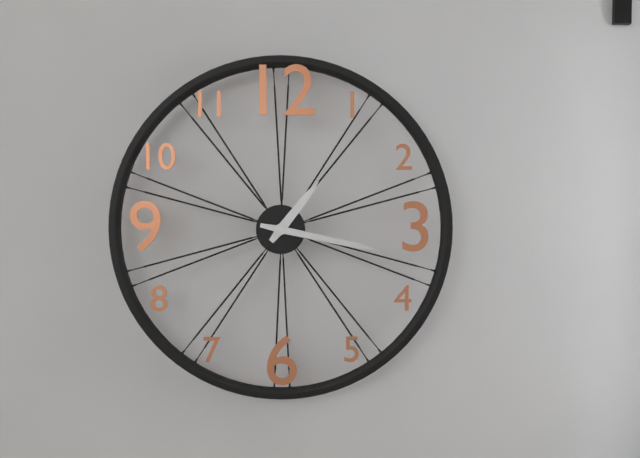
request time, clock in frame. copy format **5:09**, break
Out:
**1:17**
